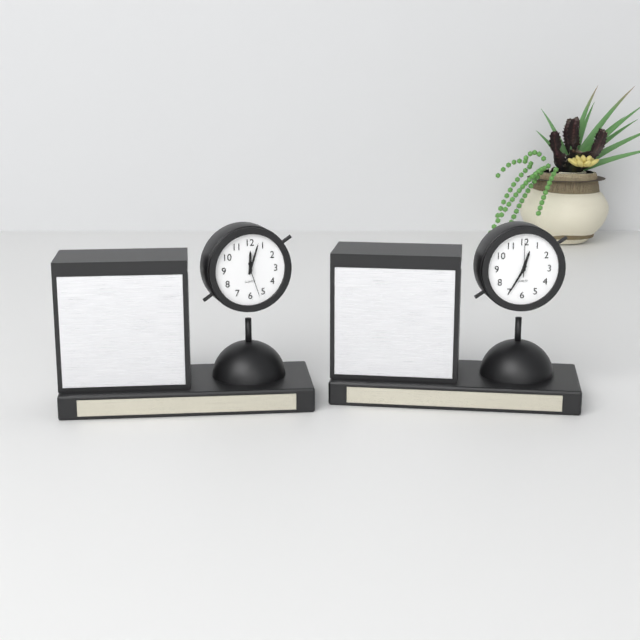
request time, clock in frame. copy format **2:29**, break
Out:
**12:03**
